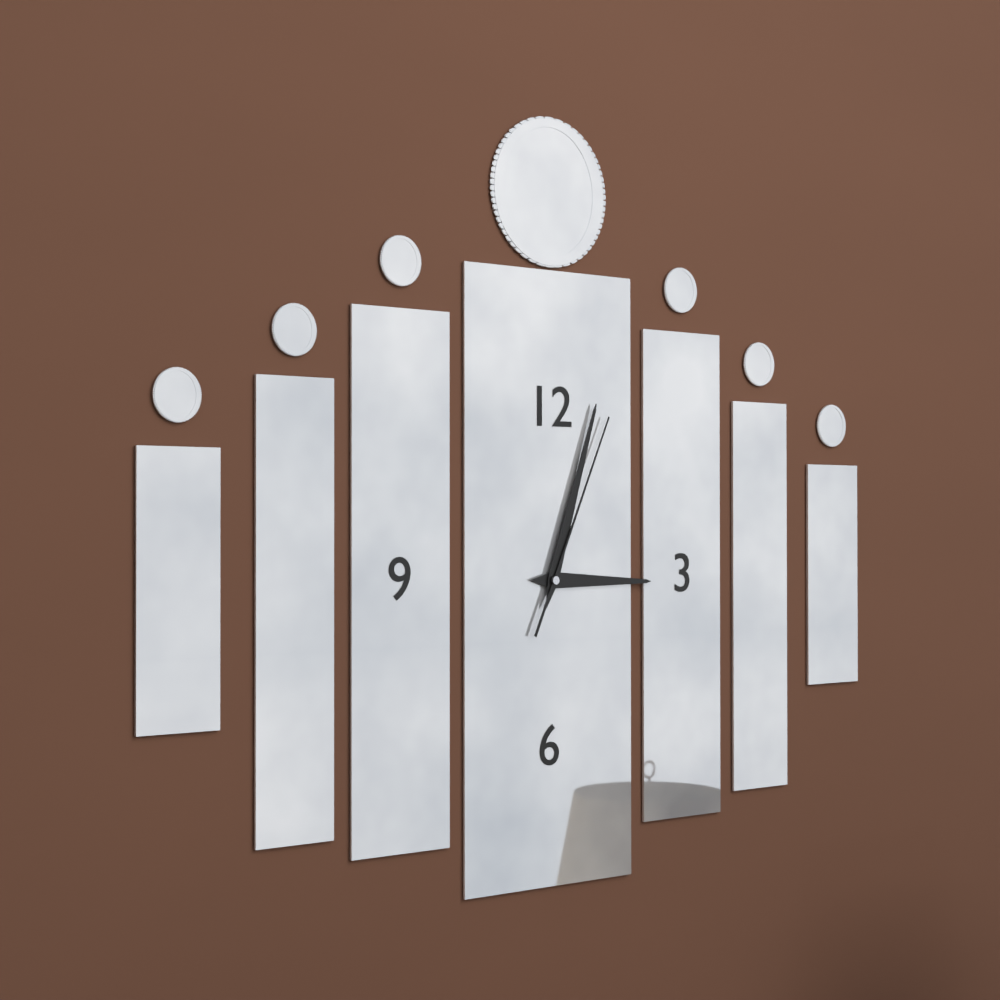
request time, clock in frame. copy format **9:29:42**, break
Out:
**3:03:04**
